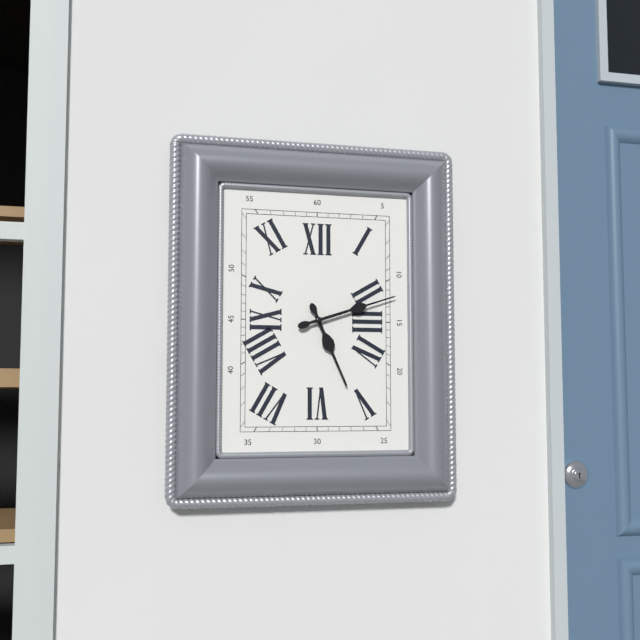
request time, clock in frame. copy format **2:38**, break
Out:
**5:12**
